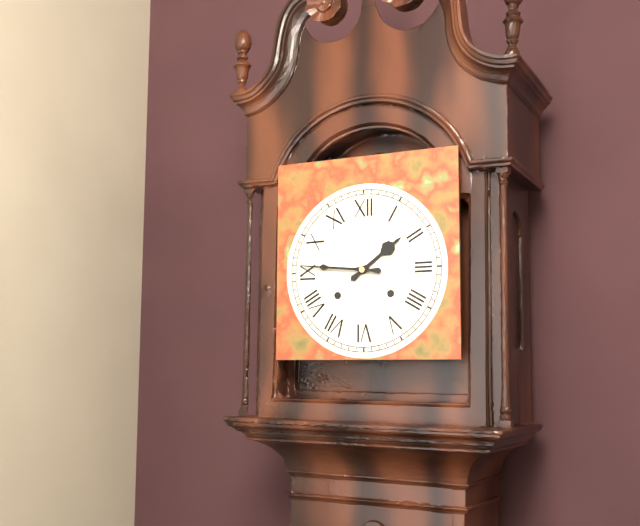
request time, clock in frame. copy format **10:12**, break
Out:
**1:46**
